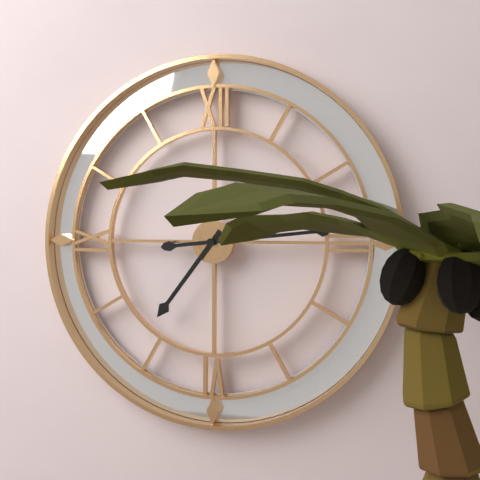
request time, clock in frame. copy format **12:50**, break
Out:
**7:14**
